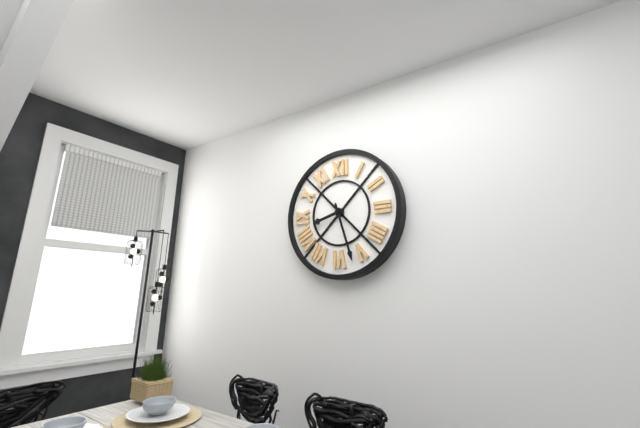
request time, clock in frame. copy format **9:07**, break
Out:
**8:27**
